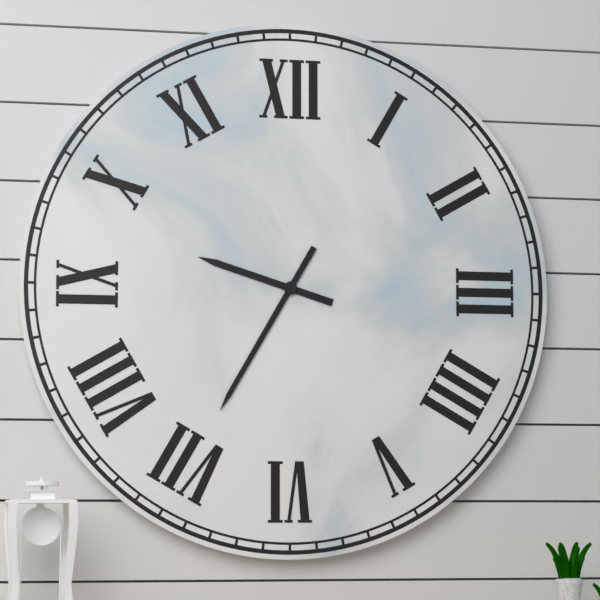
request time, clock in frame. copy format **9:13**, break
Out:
**9:35**
